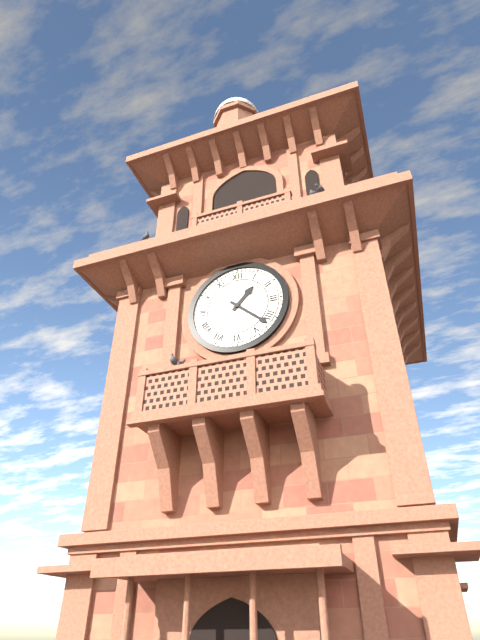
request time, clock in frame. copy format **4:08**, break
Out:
**1:22**
